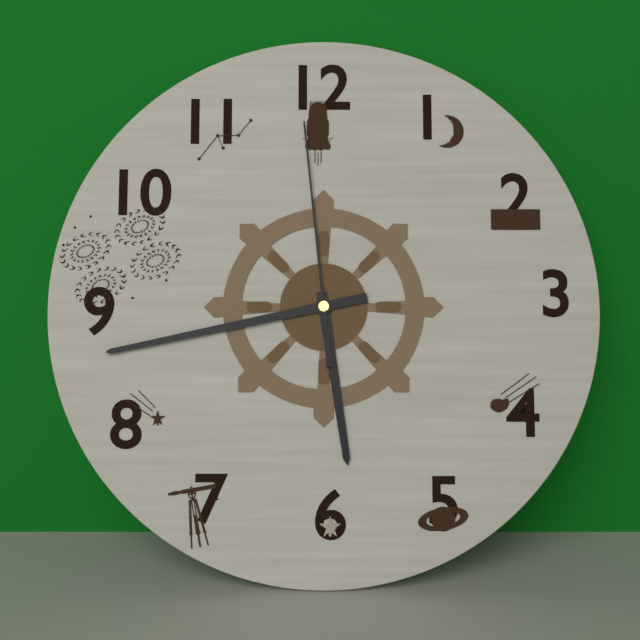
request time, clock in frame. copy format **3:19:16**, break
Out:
**5:43:59**
